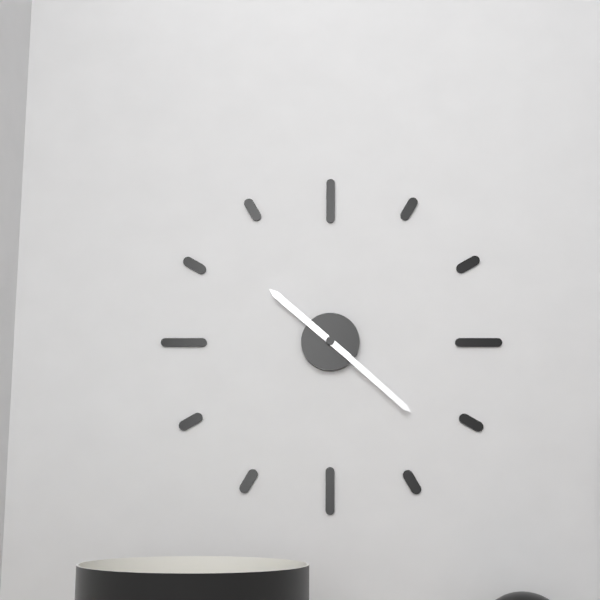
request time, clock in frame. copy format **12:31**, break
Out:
**10:22**
